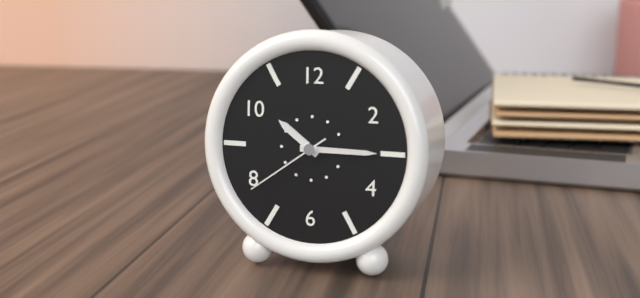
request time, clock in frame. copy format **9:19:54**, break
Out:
**10:15:39**
